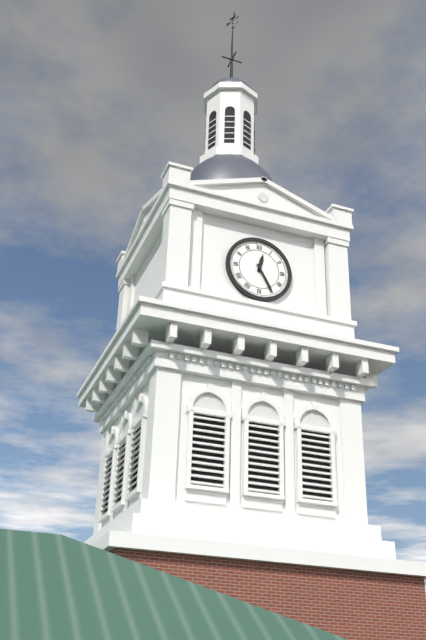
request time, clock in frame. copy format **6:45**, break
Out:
**12:25**
